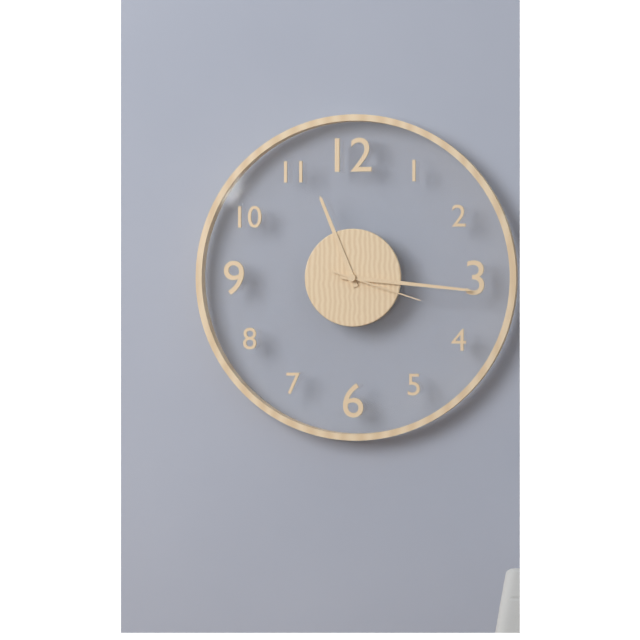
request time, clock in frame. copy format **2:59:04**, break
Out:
**11:16:18**
